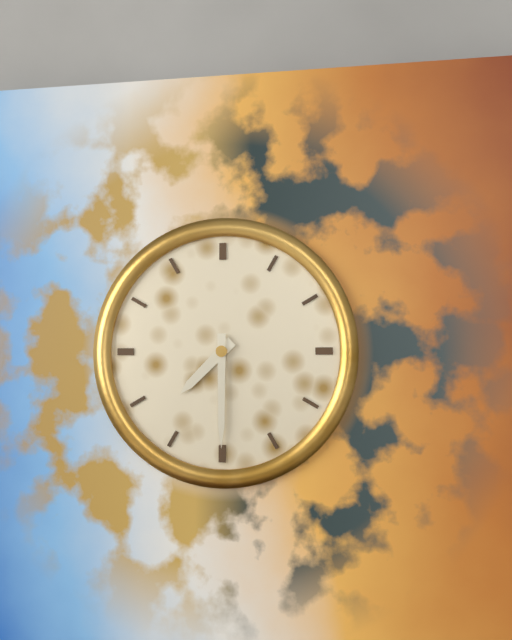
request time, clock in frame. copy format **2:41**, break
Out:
**7:30**
